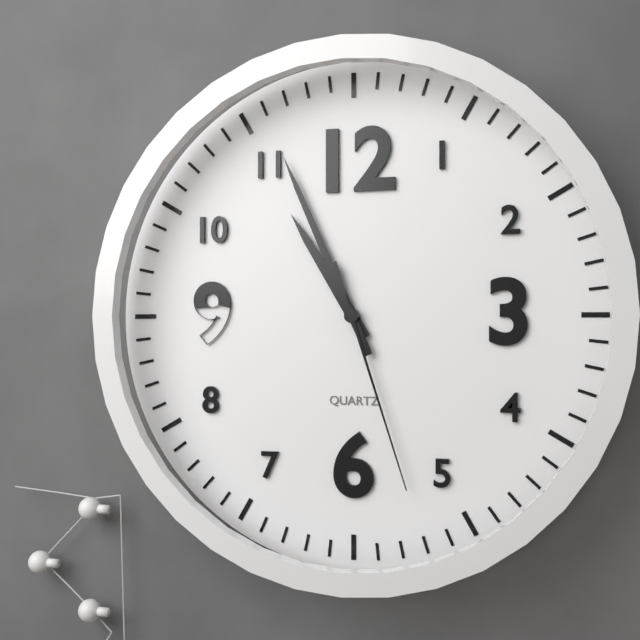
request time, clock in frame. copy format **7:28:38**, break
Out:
**10:56:27**
